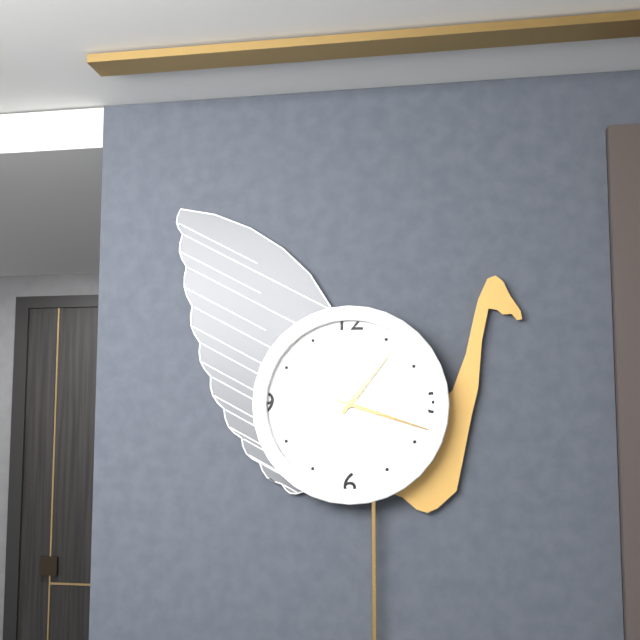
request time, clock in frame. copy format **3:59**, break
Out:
**1:18**
